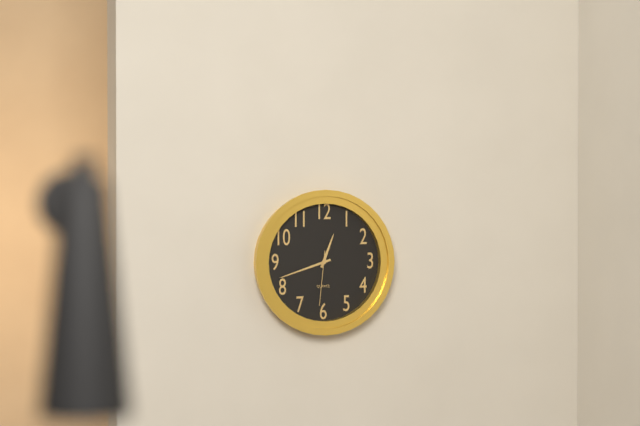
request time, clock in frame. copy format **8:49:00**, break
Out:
**12:42:31**
